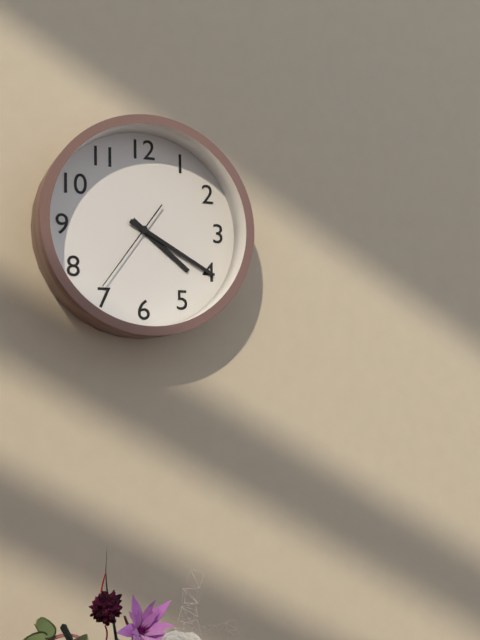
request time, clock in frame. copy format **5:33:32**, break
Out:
**4:20:36**
